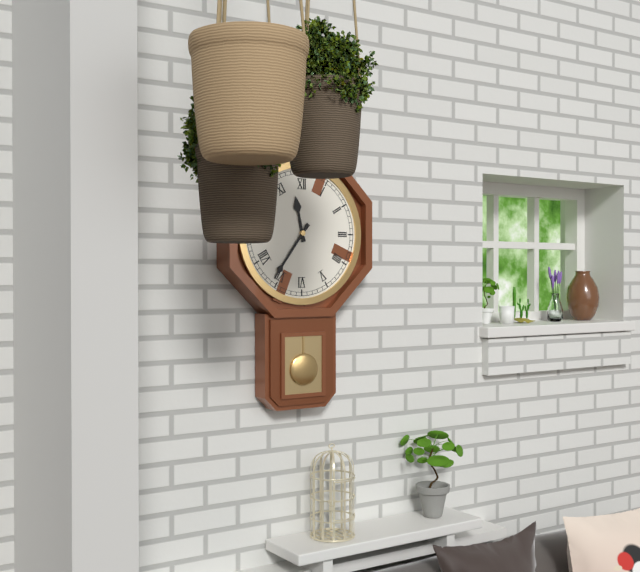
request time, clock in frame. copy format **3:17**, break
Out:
**11:36**
